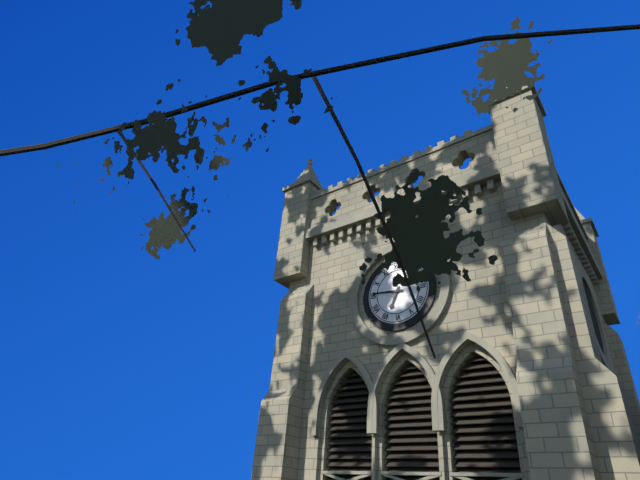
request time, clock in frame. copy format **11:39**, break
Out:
**6:46**
